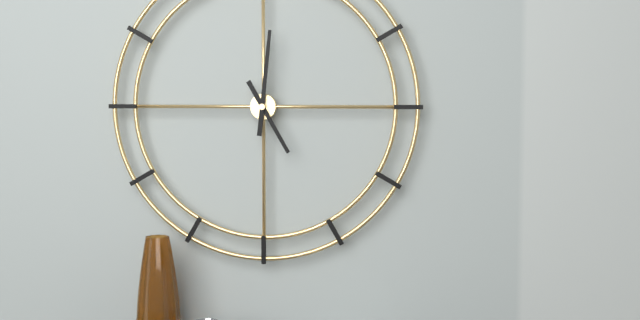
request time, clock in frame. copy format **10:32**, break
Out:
**5:01**
